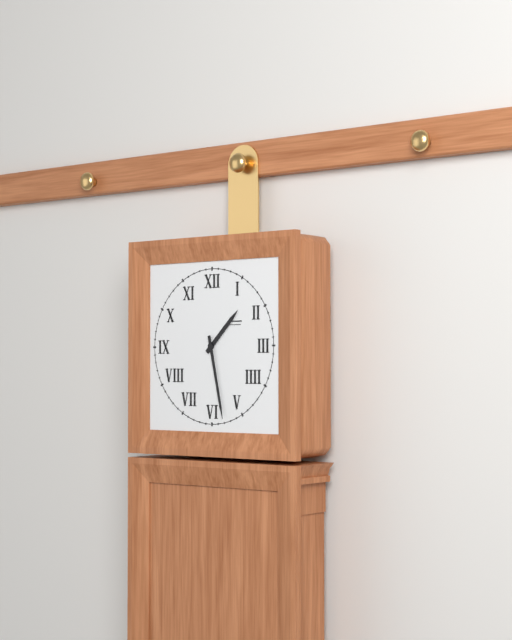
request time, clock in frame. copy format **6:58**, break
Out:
**1:28**
